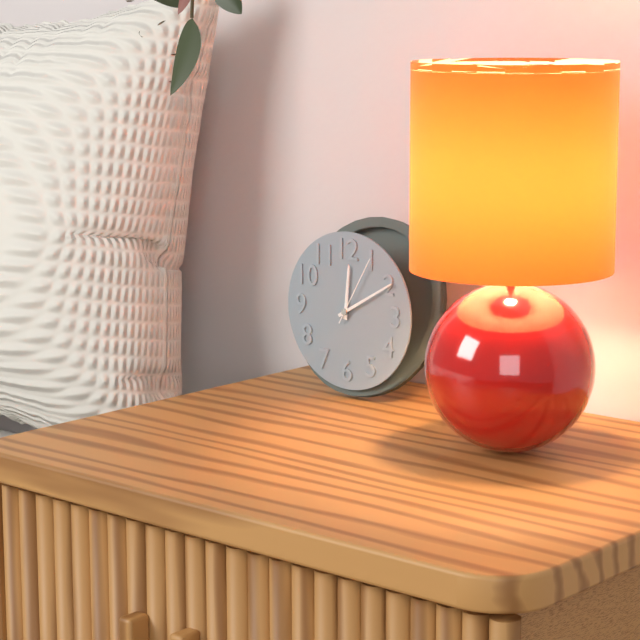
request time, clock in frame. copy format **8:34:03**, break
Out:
**12:10:05**
